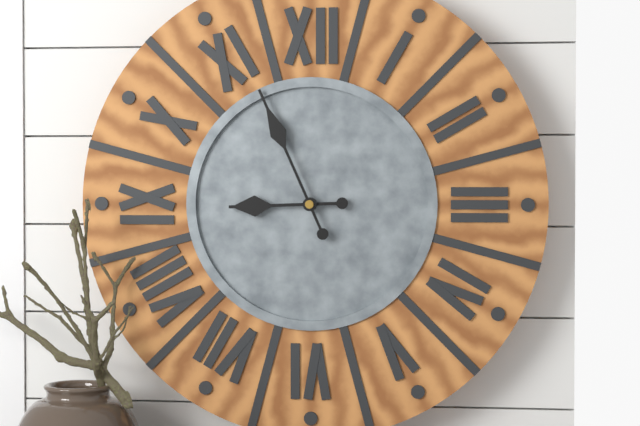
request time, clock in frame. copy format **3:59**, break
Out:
**8:56**
